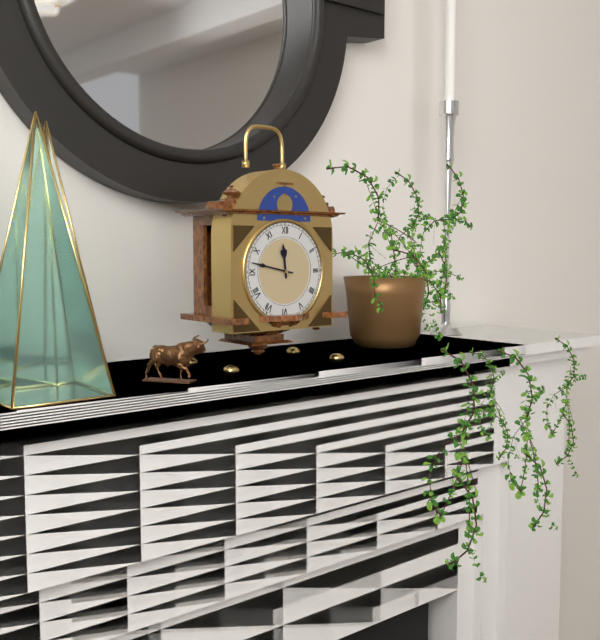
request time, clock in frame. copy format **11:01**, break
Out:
**11:47**
